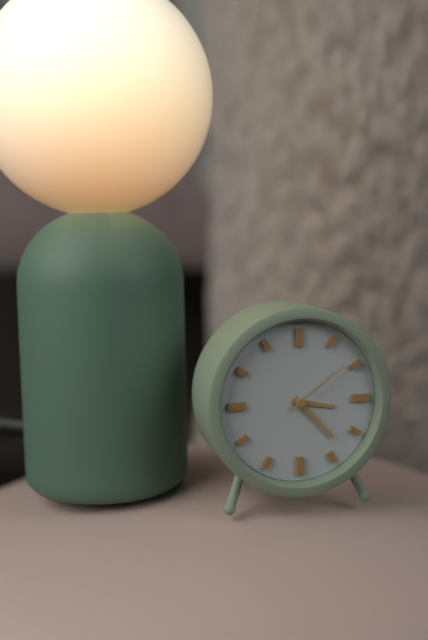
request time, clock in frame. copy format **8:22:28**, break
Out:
**3:23:09**
